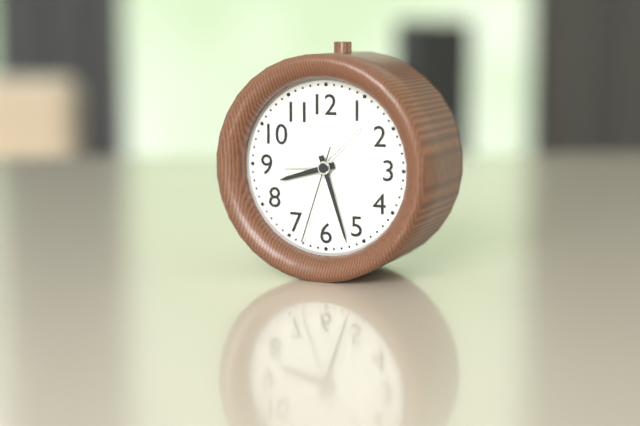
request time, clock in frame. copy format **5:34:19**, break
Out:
**8:27:33**
